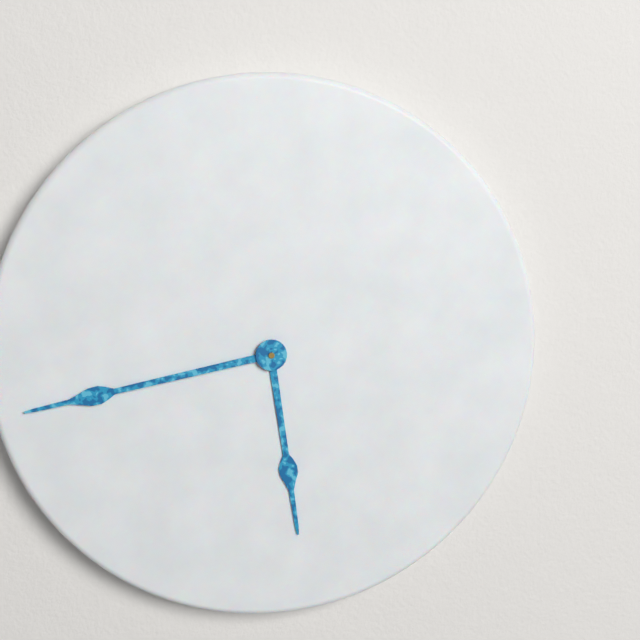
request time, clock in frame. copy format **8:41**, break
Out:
**5:43**
